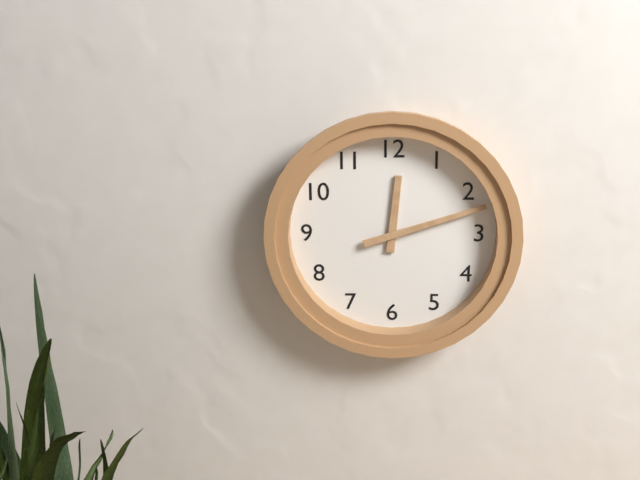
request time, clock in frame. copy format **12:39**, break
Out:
**12:12**
